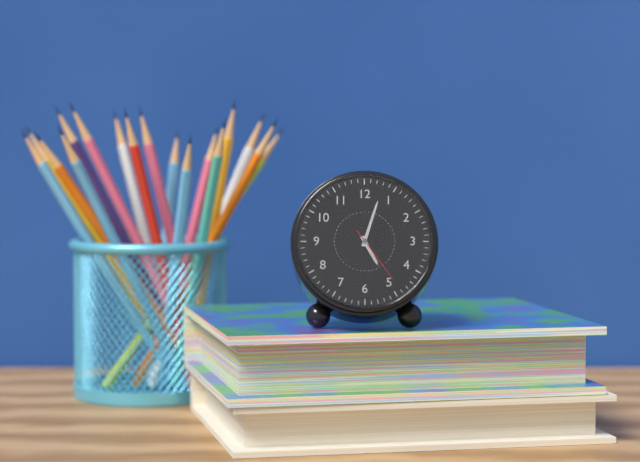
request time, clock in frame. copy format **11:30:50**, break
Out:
**5:03:24**
